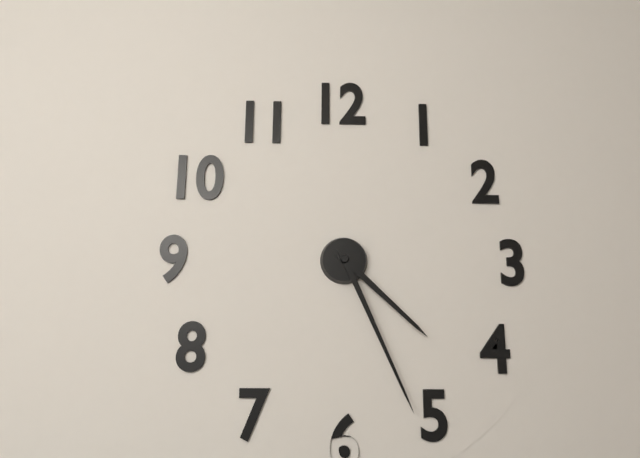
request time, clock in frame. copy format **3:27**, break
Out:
**4:26**
